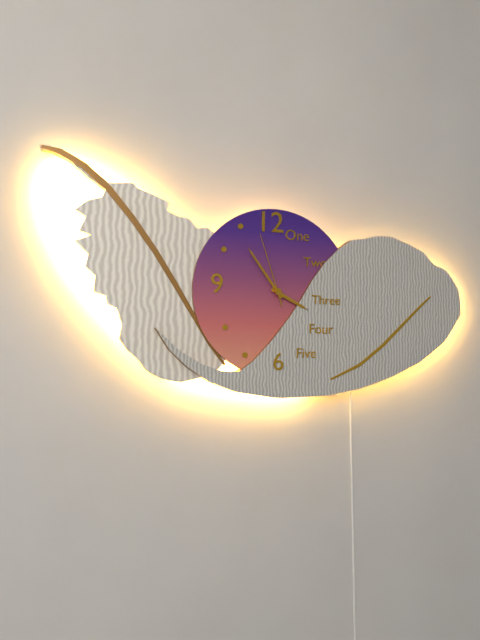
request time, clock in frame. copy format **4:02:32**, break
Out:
**3:54:57**
